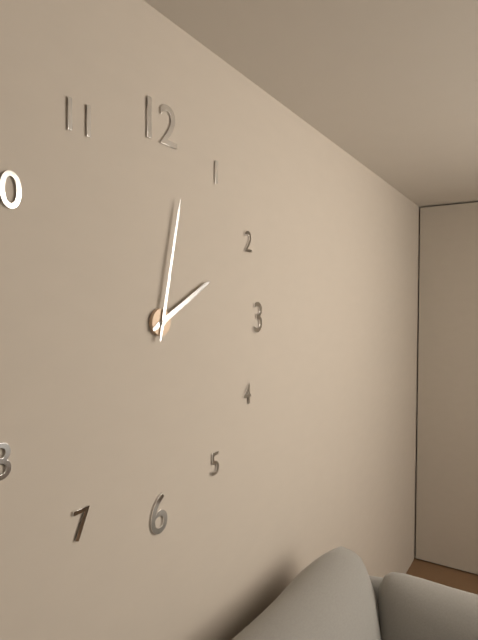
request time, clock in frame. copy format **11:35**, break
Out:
**2:02**
